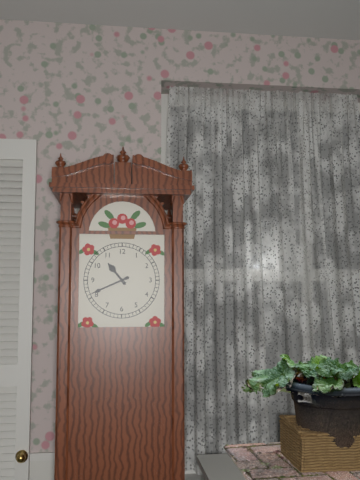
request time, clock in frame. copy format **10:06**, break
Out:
**10:41**
